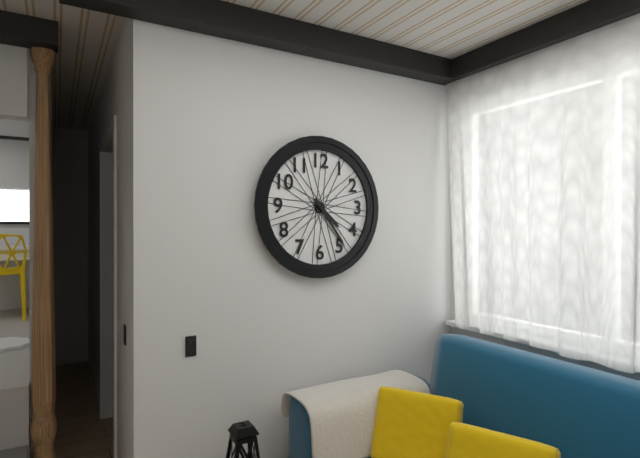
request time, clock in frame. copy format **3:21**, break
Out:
**4:24**
